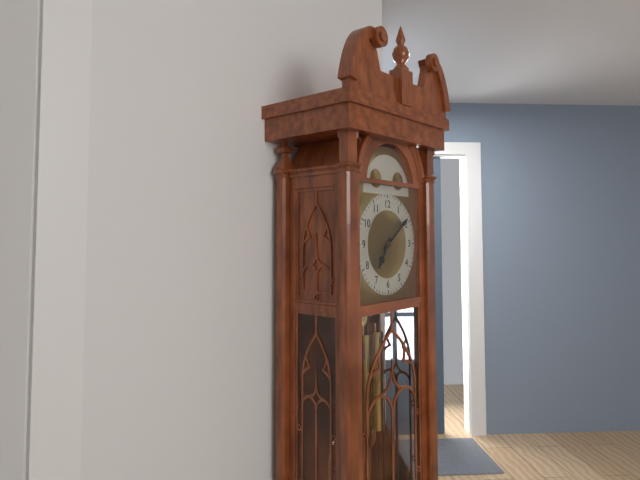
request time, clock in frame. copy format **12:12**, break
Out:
**7:09**
